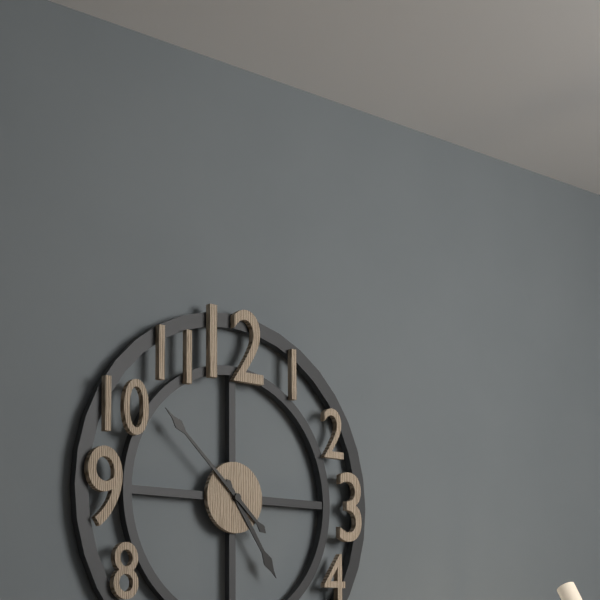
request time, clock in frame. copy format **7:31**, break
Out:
**4:52**
